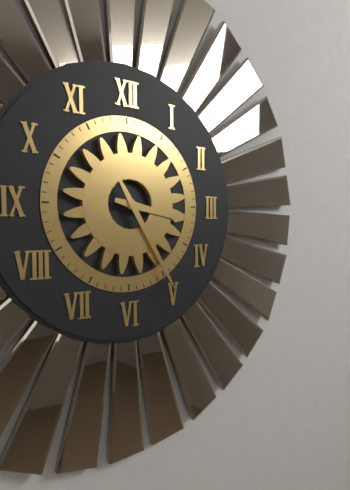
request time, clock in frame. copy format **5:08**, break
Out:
**3:25**
